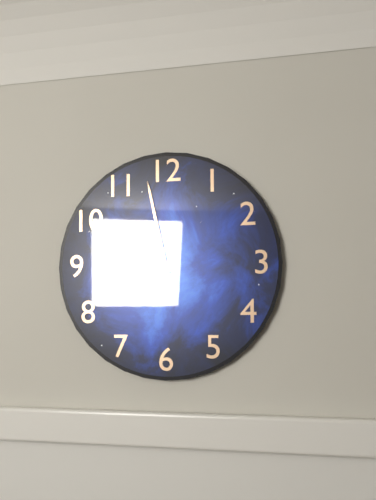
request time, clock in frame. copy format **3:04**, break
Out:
**9:58**
